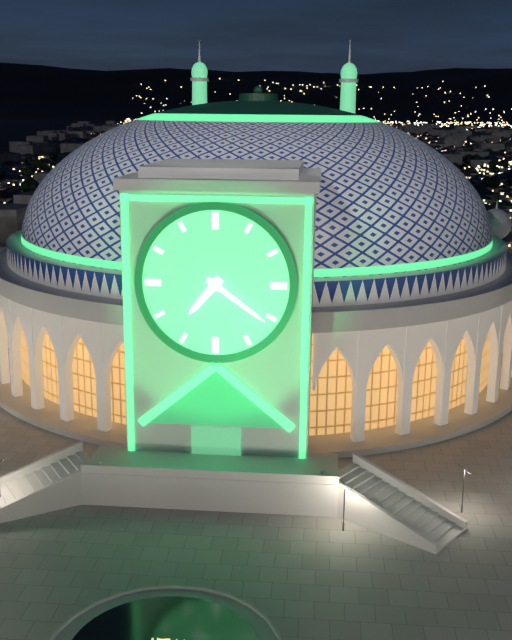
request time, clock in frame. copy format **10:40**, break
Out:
**7:21**
